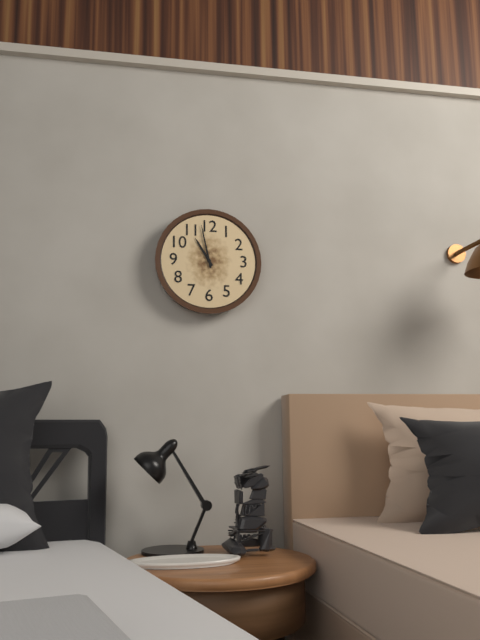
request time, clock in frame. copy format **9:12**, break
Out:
**10:58**
